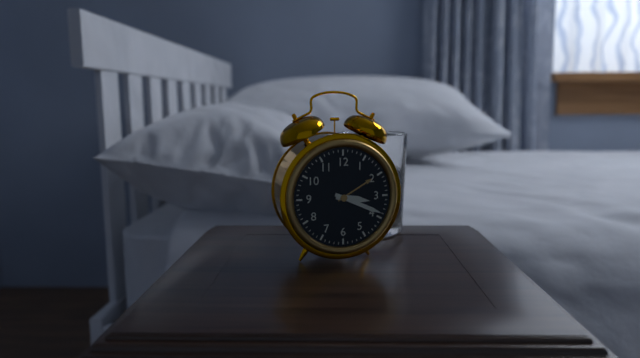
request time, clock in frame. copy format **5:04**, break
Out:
**3:19**
